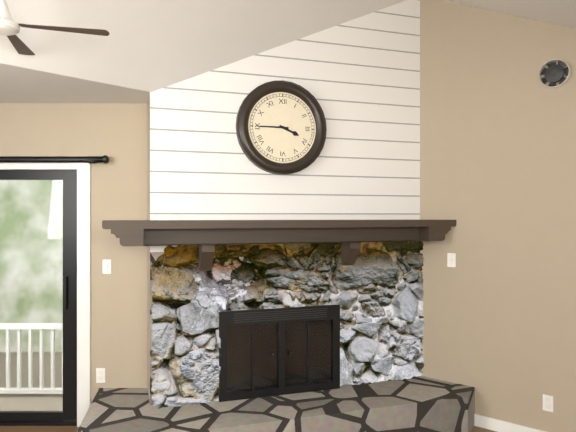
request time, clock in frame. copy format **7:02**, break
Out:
**3:45**
